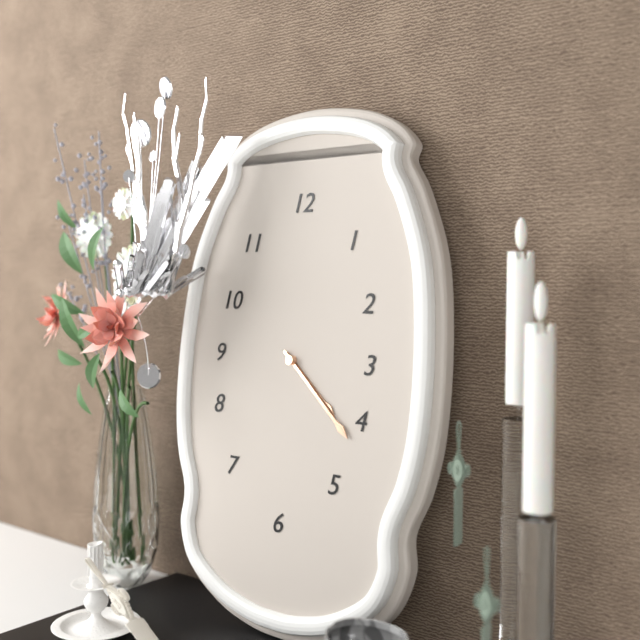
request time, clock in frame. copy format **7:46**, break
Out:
**4:22**
